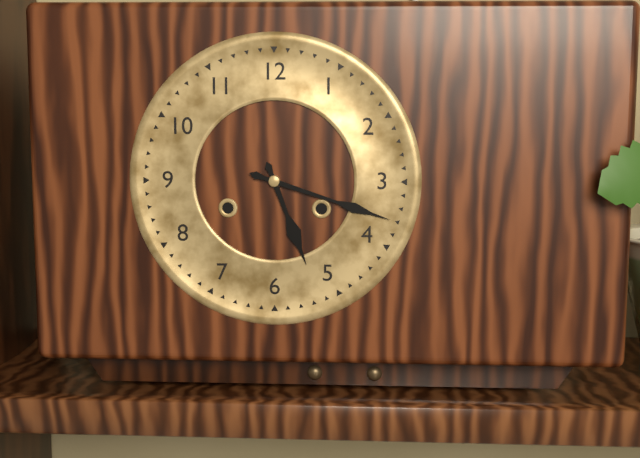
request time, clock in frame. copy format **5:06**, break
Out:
**5:18**
